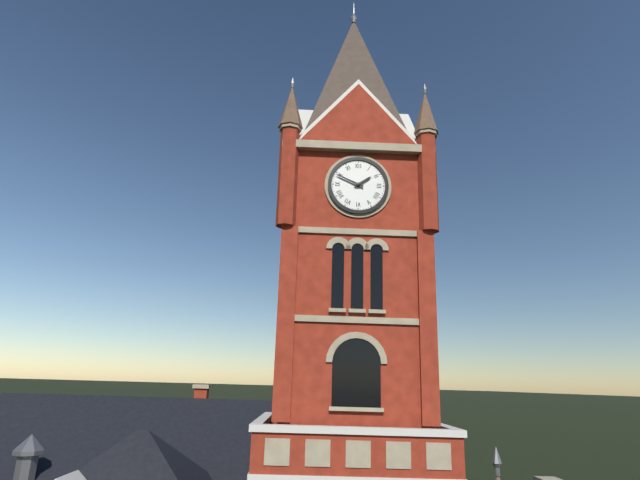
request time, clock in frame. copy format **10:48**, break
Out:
**1:49**
